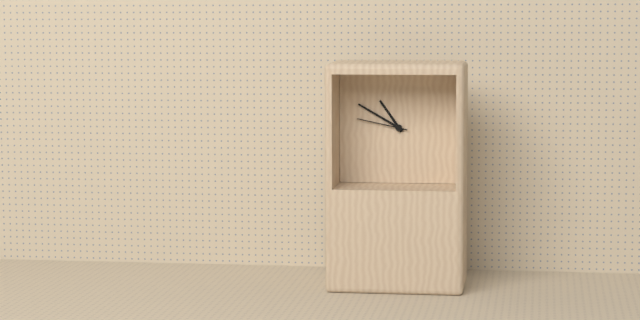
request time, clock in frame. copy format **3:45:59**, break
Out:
**10:50:47**
